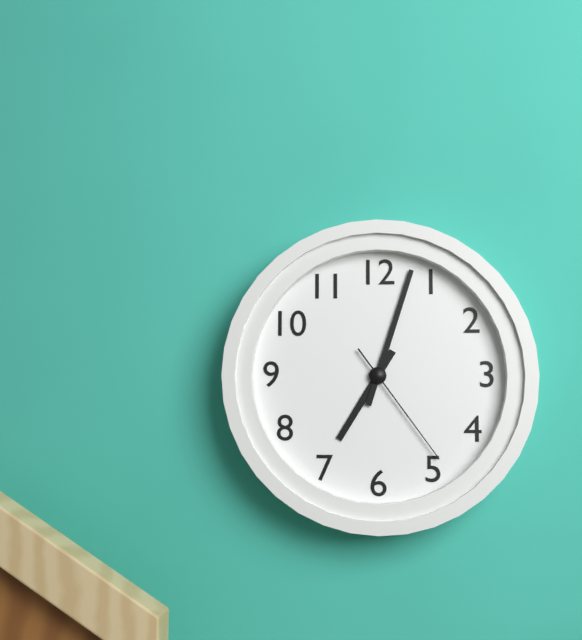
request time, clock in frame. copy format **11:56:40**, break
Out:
**7:03:24**
